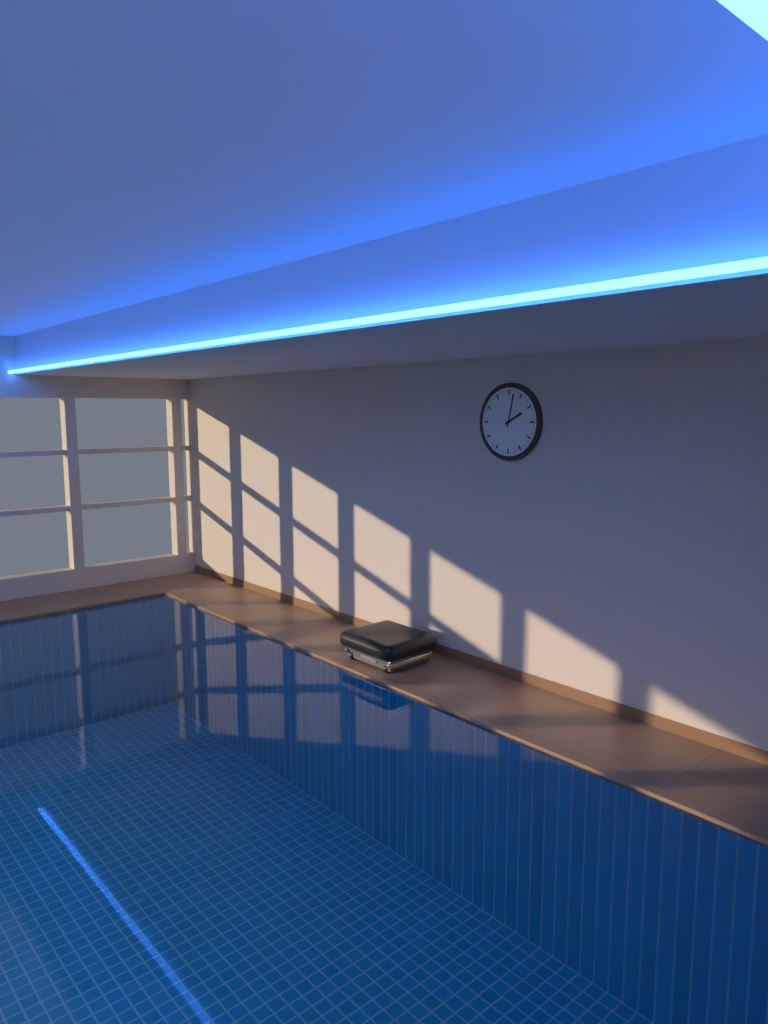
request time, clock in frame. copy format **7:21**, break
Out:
**2:02**
